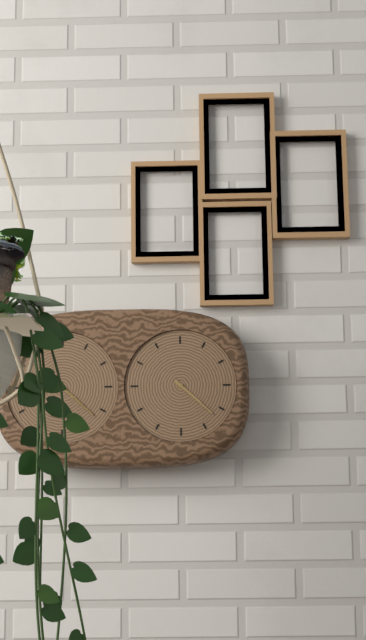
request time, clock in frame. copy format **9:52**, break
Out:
**4:22**
